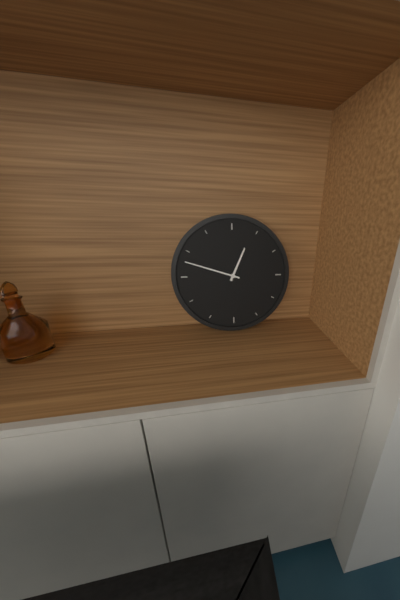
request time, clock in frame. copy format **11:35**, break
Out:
**12:48**
